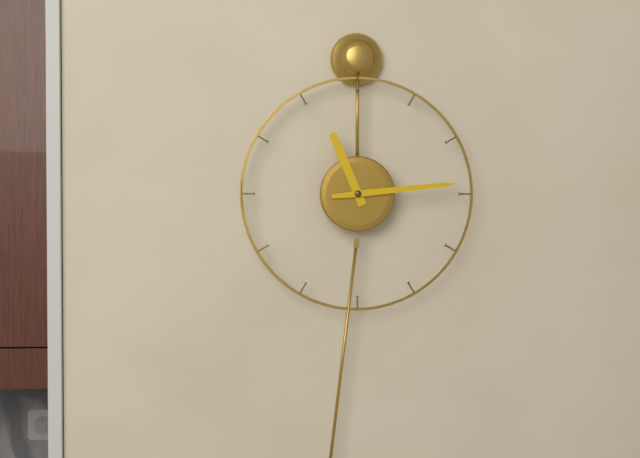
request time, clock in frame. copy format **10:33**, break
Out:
**11:14**
